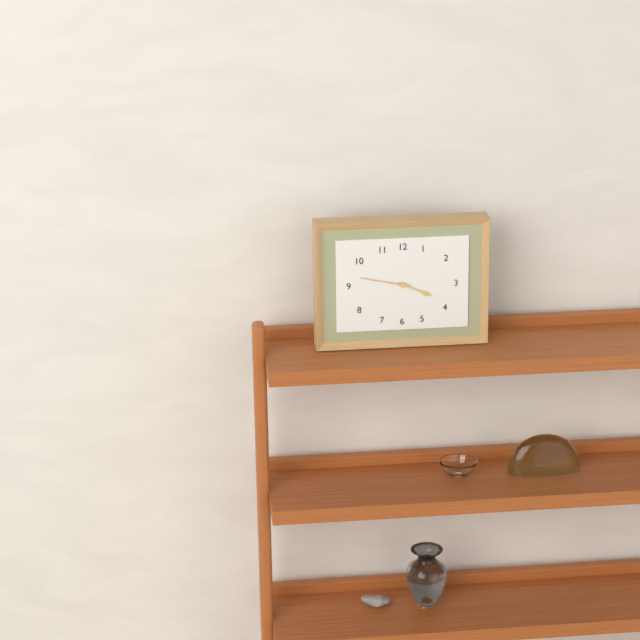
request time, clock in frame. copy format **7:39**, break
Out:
**3:47**
